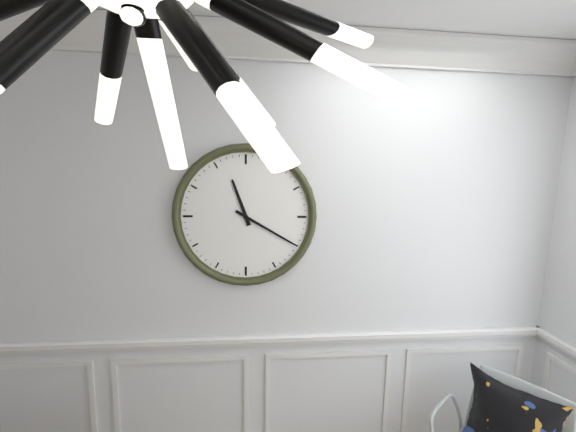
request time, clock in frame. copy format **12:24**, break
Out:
**11:20**
